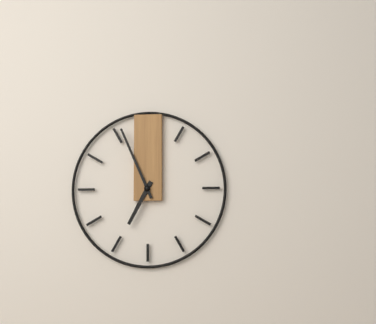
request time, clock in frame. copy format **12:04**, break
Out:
**6:56**
